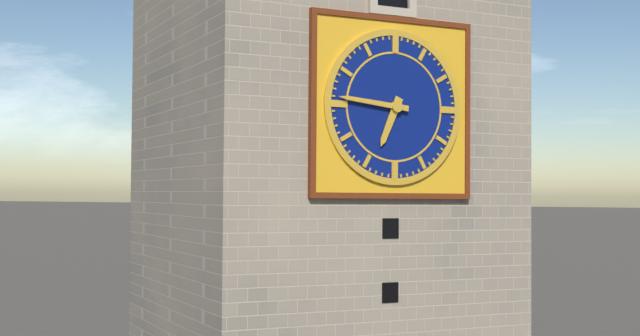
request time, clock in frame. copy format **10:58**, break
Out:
**6:46**
